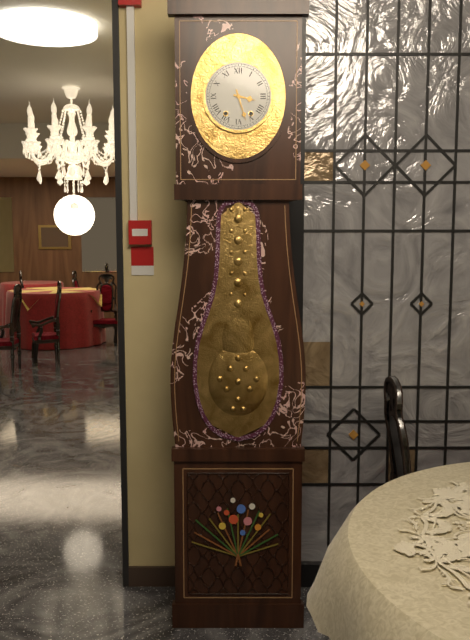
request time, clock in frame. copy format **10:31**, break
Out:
**3:27**
